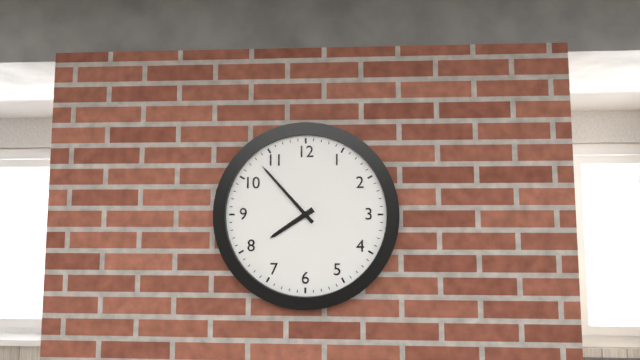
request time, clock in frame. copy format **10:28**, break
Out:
**7:53**
